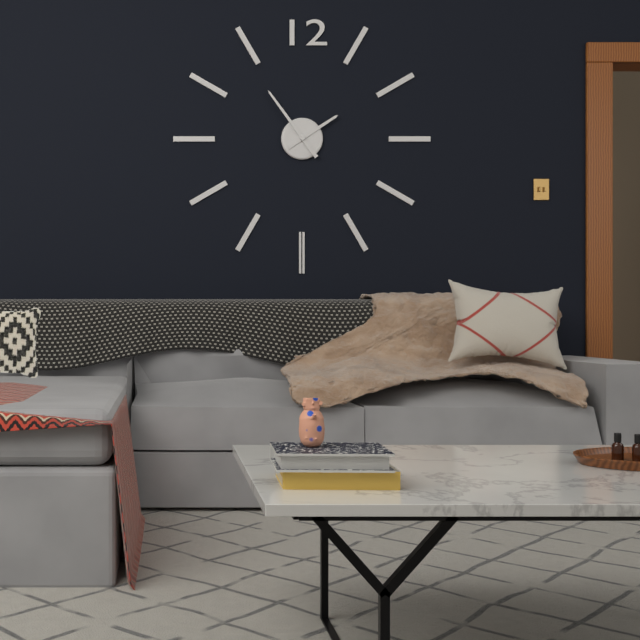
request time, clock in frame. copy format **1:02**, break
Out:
**1:54**
